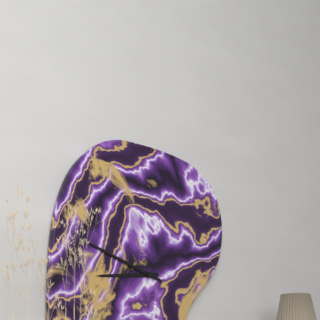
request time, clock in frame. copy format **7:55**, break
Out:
**8:48**
